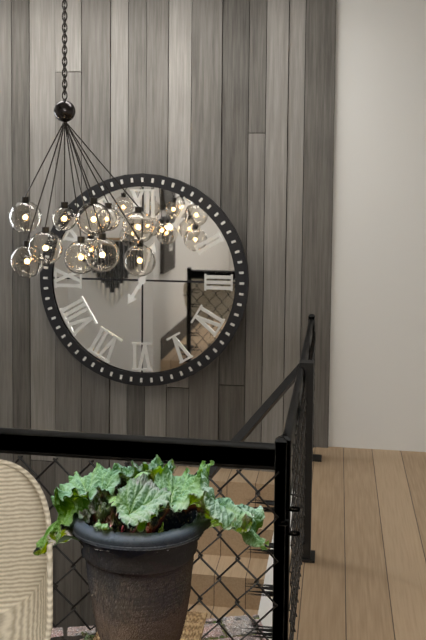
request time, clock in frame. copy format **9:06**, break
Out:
**7:03**
